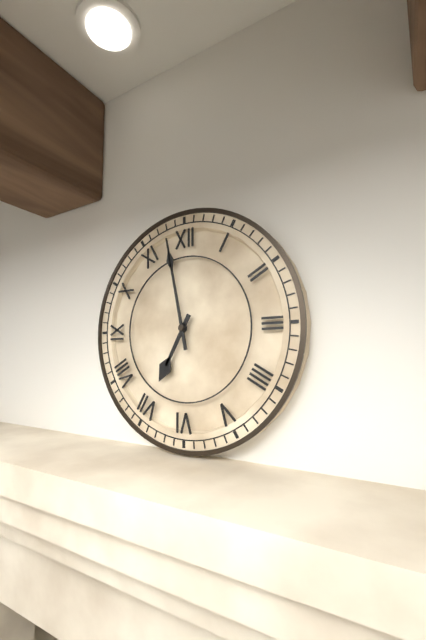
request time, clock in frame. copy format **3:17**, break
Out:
**6:58**
